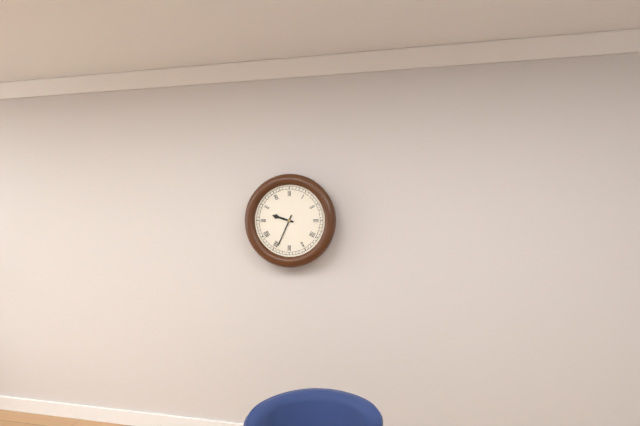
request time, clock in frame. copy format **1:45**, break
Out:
**9:34**
